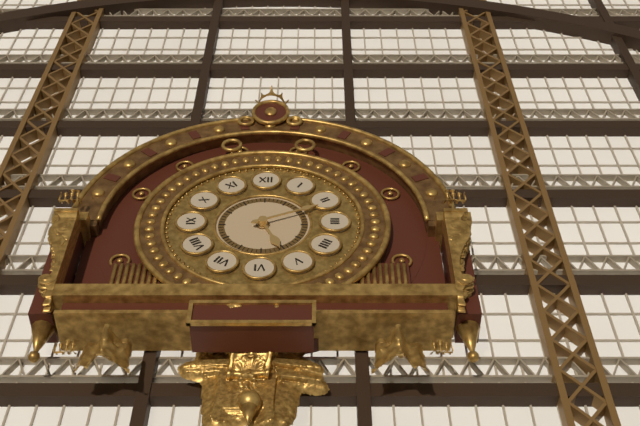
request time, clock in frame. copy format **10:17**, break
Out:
**5:11**
